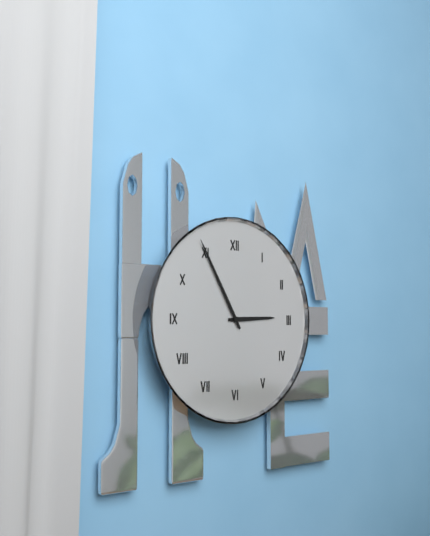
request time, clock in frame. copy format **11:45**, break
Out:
**2:55**
